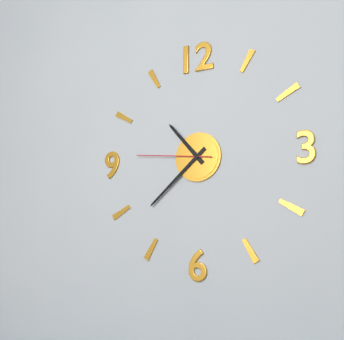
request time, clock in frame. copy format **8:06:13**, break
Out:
**10:38:46**
